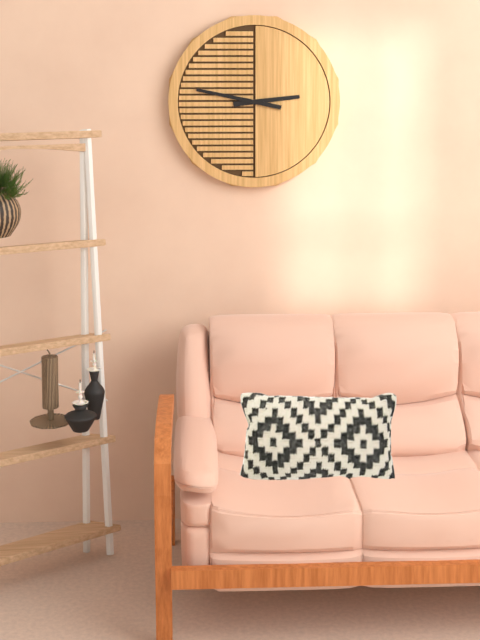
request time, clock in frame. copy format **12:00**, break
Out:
**2:47**
